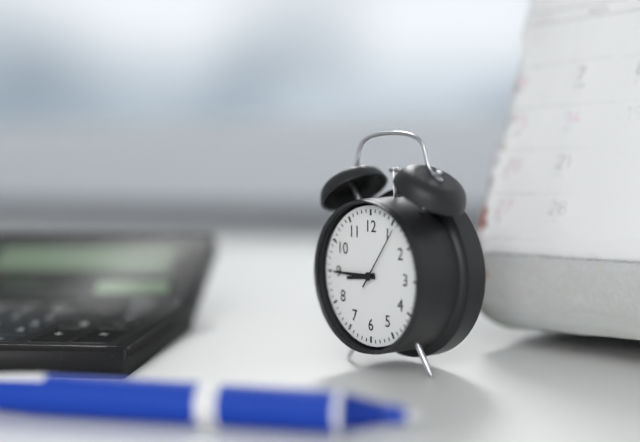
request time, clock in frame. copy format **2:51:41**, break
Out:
**8:45:06**
